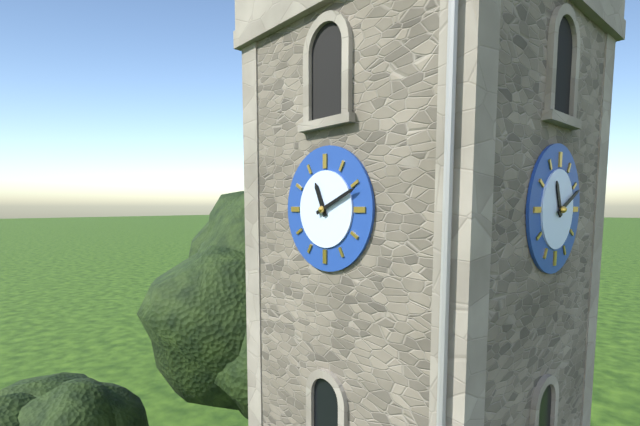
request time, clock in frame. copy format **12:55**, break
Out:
**11:11**
